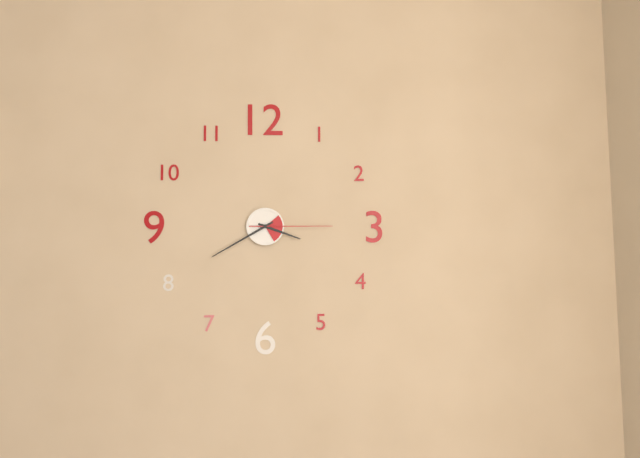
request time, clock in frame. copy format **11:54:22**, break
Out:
**3:40:15**
